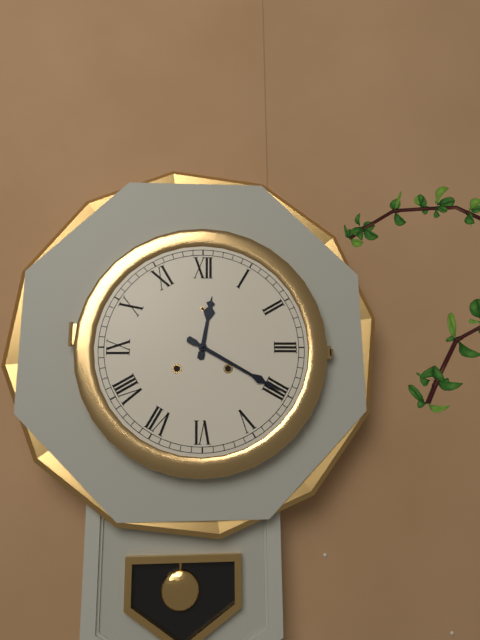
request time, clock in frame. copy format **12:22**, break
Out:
**12:20**
